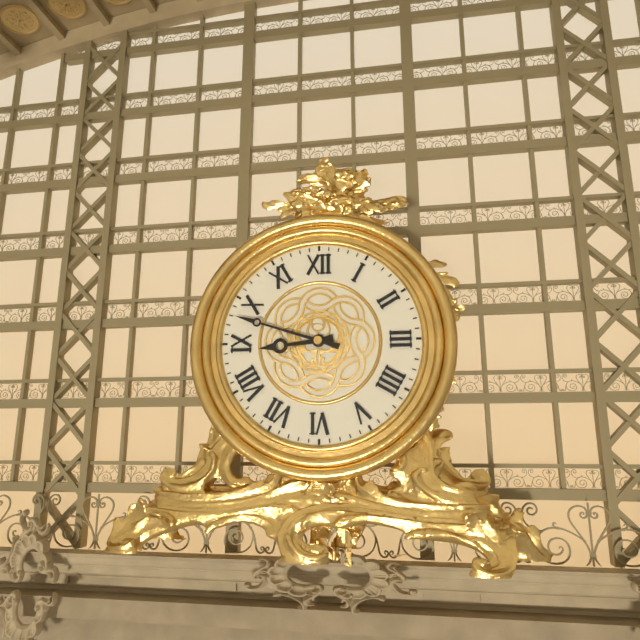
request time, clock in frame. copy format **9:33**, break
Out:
**8:48**
